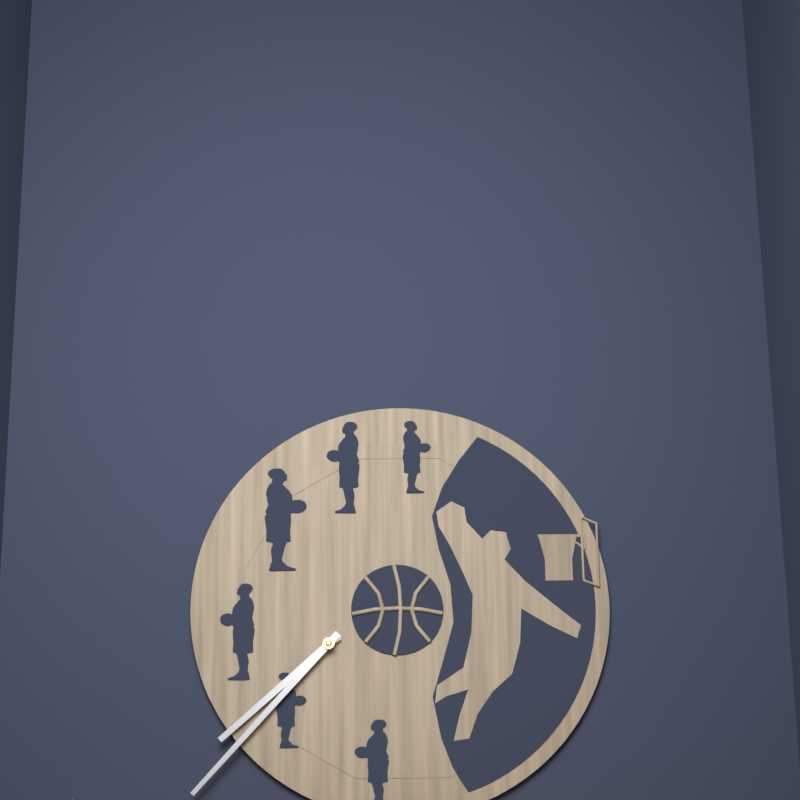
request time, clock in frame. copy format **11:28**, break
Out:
**7:37**
